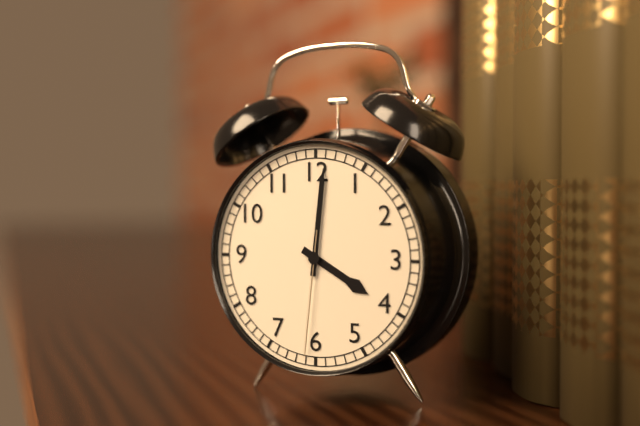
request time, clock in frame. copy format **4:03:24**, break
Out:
**4:01:31**
